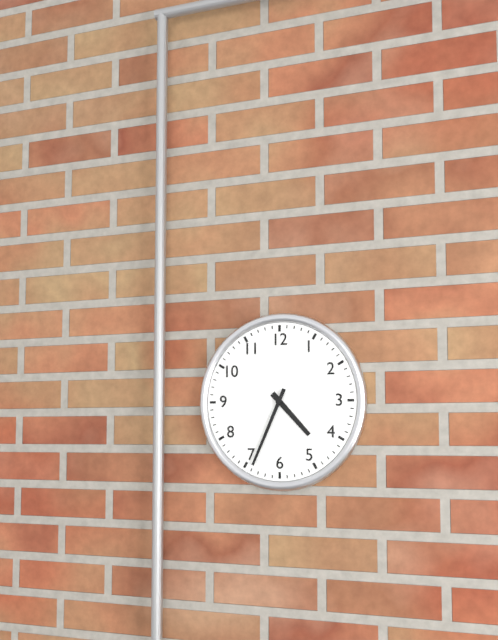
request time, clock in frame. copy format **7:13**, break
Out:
**4:34**
